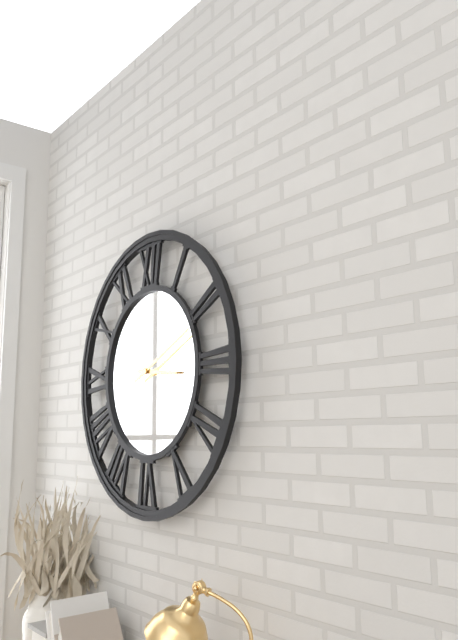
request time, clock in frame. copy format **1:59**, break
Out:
**3:11**
